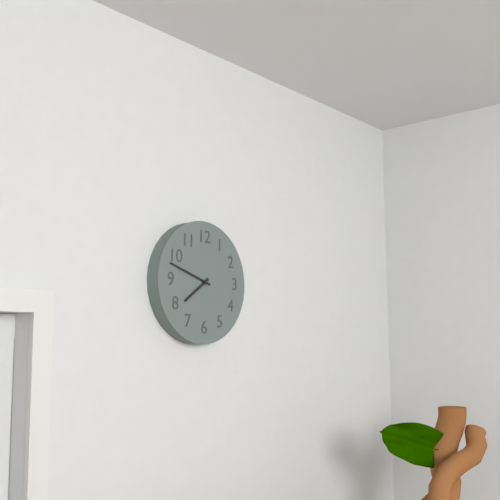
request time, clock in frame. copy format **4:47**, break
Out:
**7:48**
